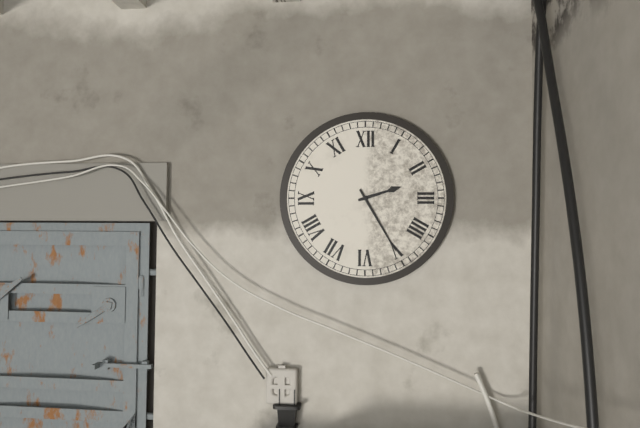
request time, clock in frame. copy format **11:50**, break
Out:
**2:25**
